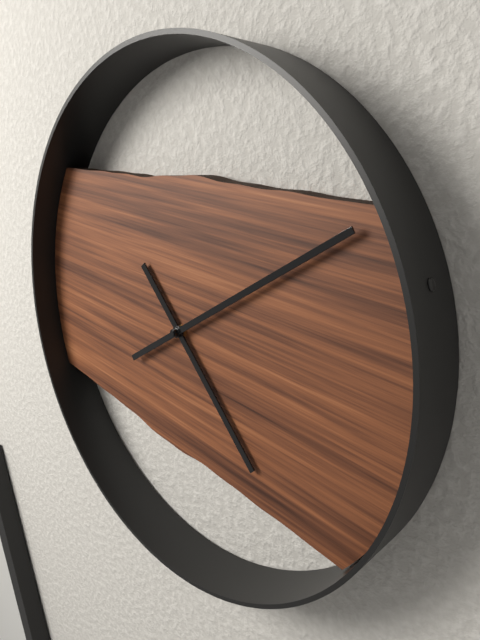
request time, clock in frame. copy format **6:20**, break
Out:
**5:13**
